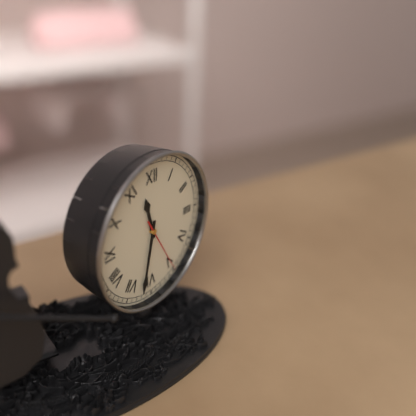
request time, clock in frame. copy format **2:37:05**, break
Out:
**11:32:25**
